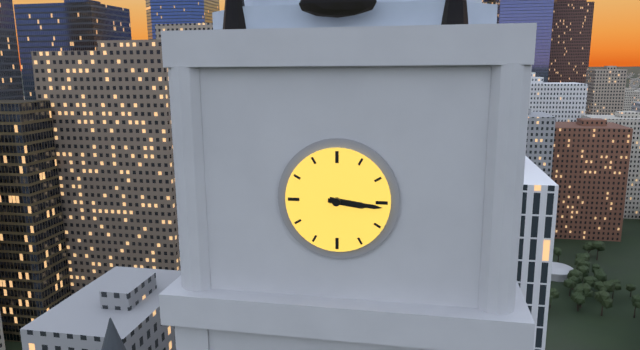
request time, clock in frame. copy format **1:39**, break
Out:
**3:16**
